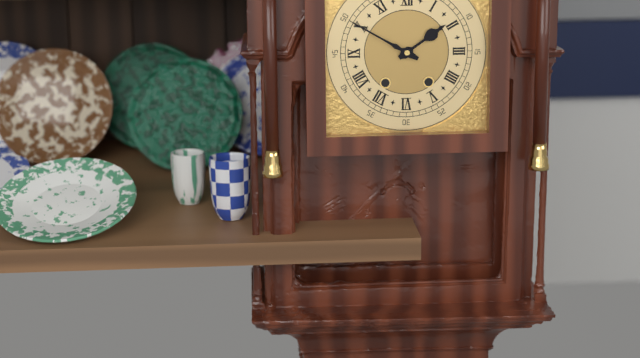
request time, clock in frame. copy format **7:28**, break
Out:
**1:50**
